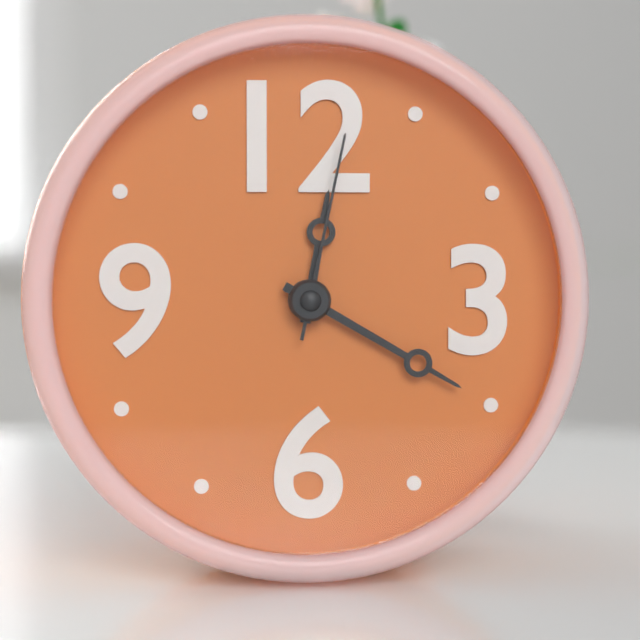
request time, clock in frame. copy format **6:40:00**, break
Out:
**12:20:02**
